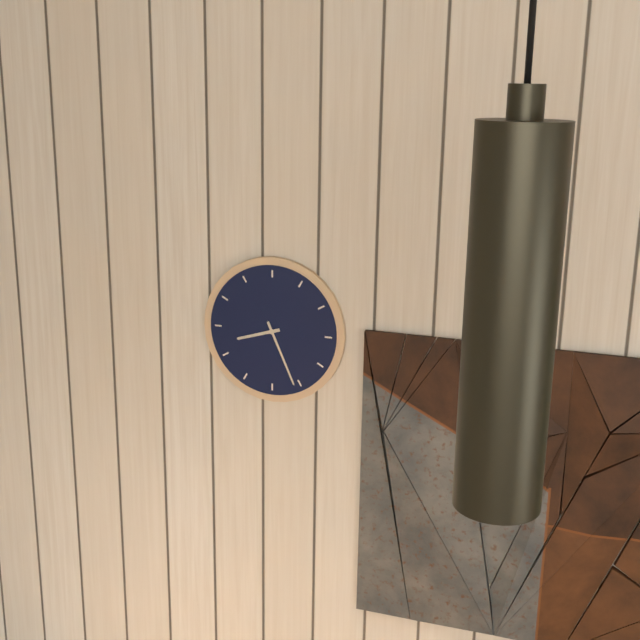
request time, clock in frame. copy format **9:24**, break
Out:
**8:26**
